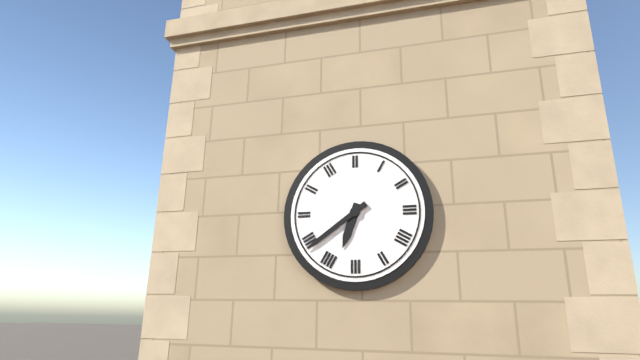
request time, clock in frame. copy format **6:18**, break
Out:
**6:39**
